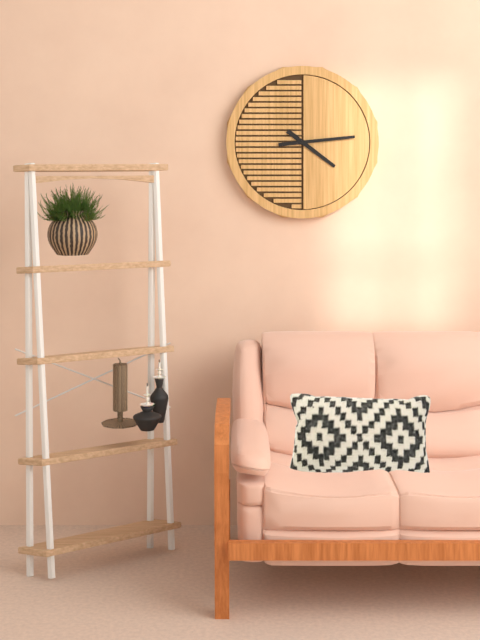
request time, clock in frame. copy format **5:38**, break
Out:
**4:14**
